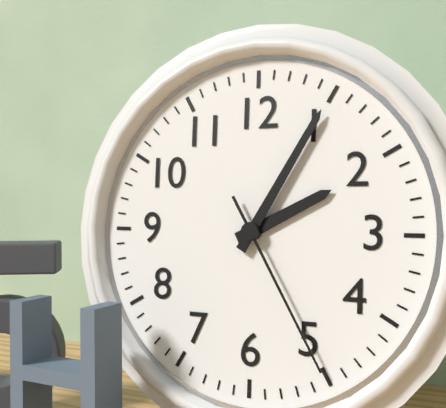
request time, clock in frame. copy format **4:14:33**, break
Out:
**2:05:25**
